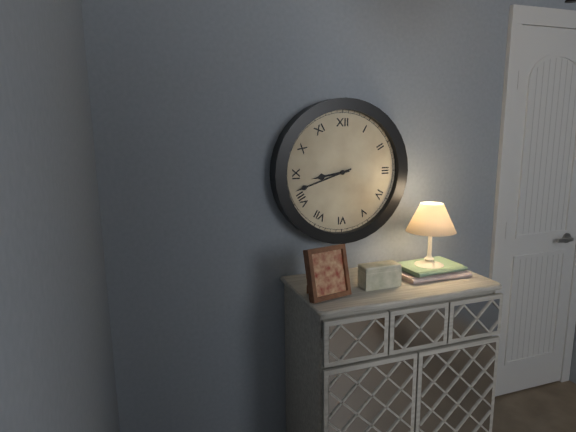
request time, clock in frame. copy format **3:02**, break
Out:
**8:42**
